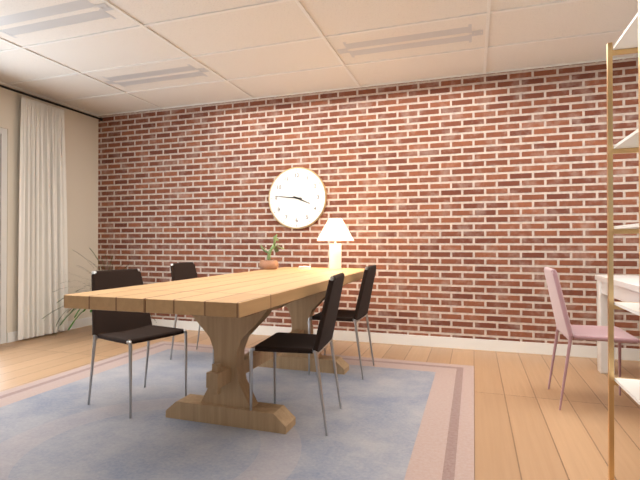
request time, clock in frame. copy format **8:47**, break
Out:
**3:46**
